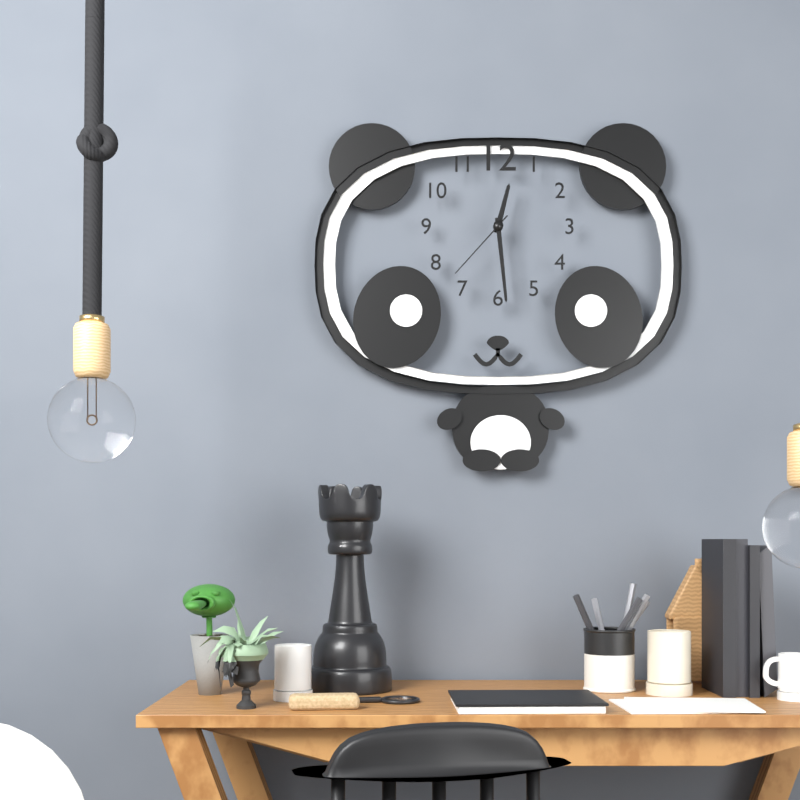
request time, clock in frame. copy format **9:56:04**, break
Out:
**12:29:37**
